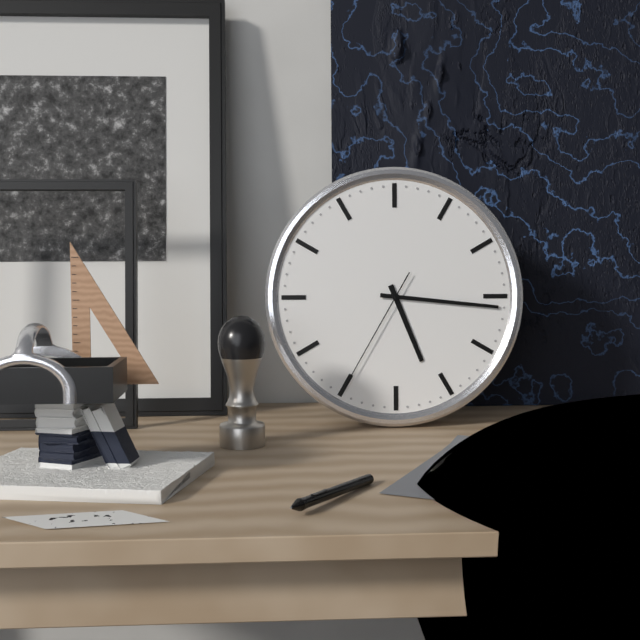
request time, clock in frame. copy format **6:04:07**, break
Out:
**5:16:35**
